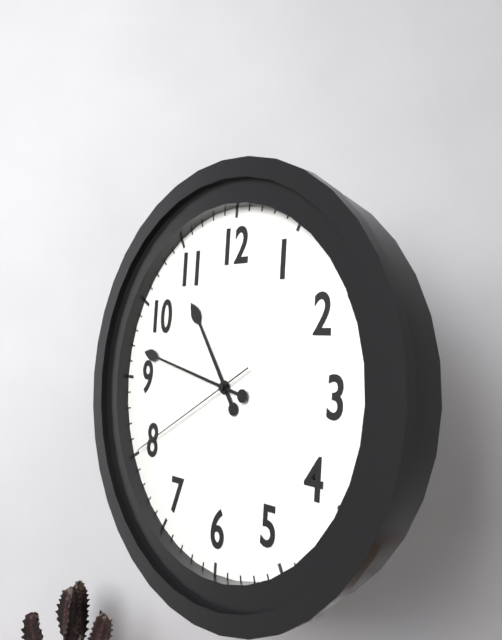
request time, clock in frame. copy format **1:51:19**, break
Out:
**10:47:40**
